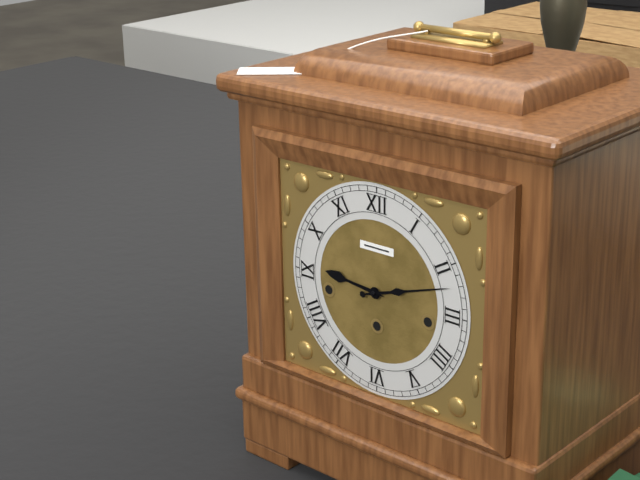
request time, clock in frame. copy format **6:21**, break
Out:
**9:12**
